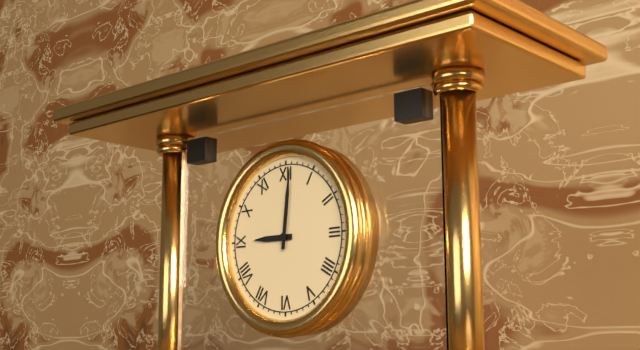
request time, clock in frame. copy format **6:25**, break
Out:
**9:01**
